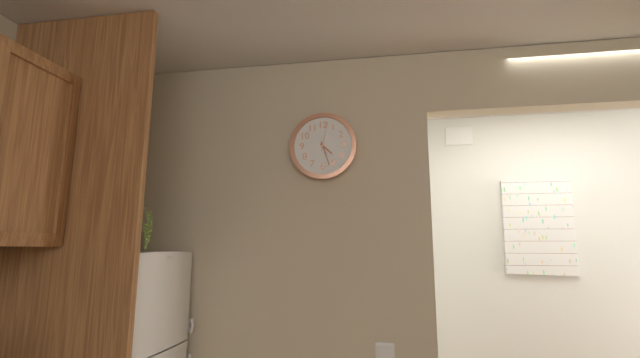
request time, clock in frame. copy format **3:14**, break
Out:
**4:27**
